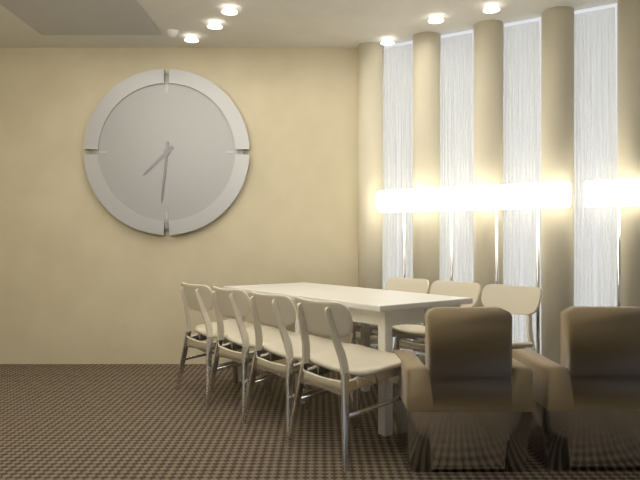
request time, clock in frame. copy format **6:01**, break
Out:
**7:31**
